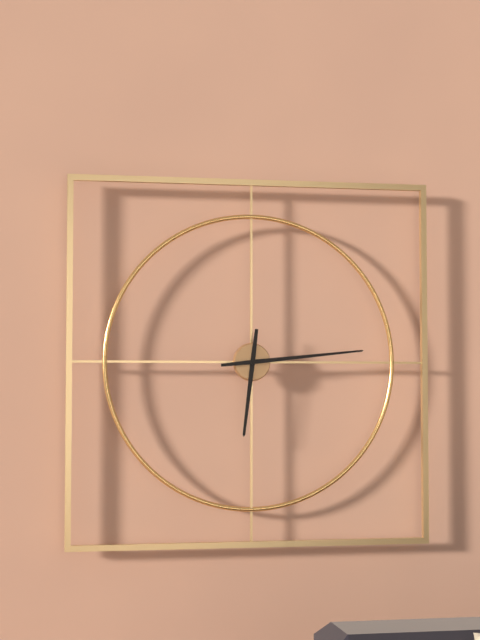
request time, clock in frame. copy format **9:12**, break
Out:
**6:14**
